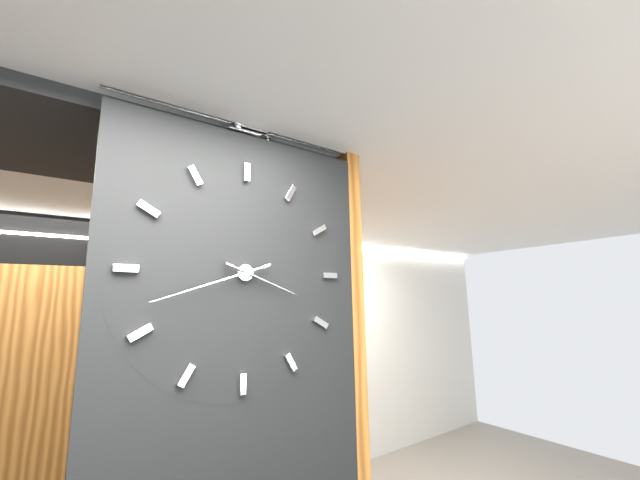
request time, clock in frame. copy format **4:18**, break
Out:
**3:42**
